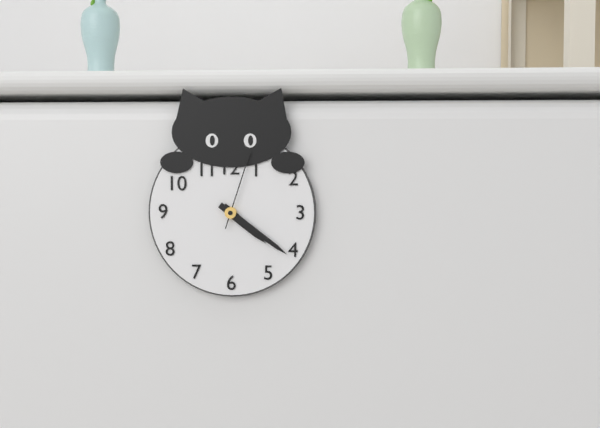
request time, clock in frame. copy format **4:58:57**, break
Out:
**4:21:03**
